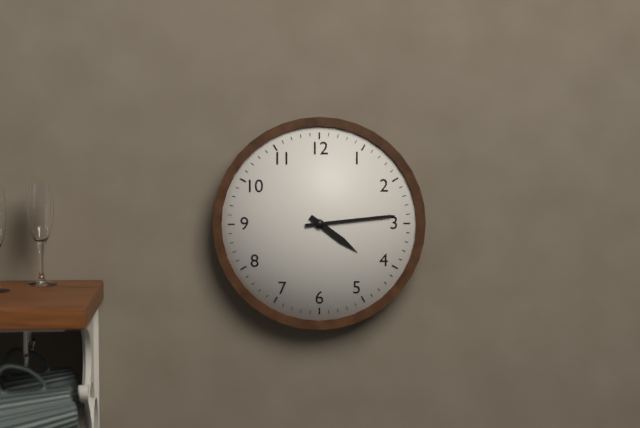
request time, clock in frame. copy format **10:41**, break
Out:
**4:14**
